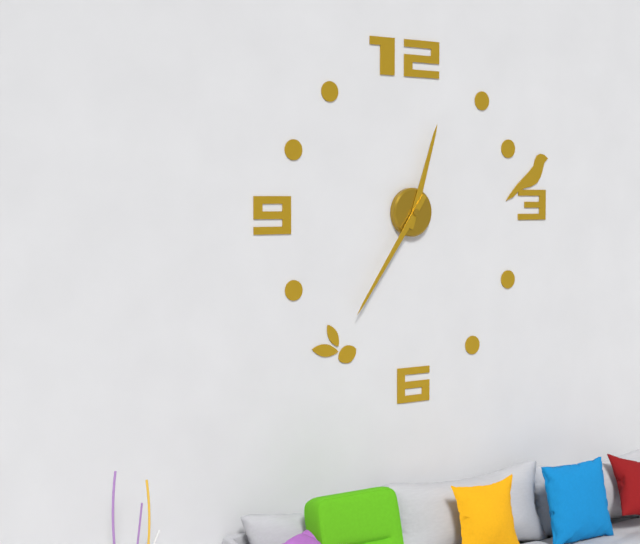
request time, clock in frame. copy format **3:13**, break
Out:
**12:36**
